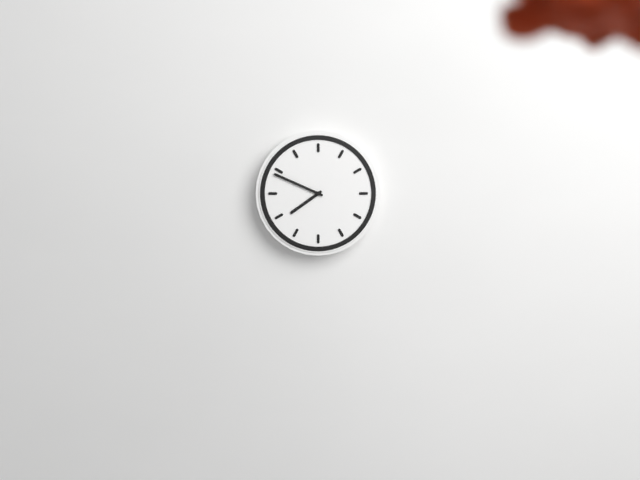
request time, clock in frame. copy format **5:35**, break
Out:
**7:49**
